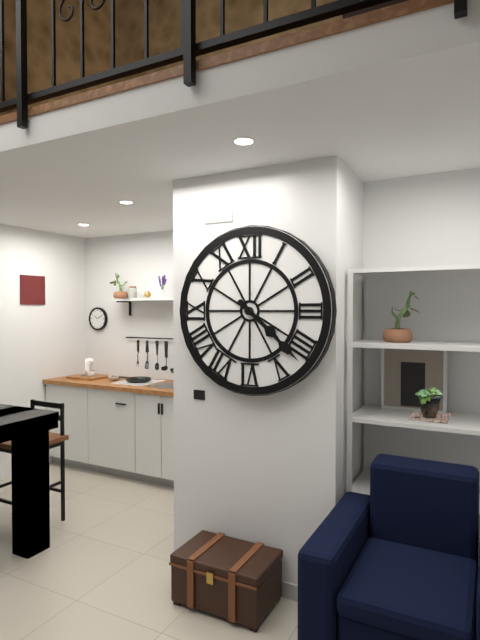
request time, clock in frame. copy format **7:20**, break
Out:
**4:22**
